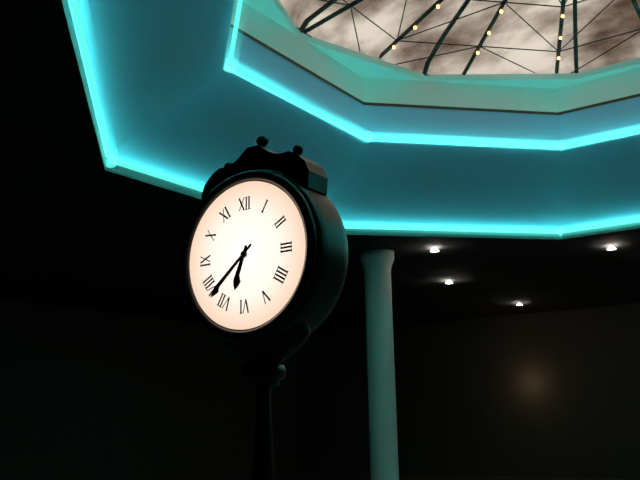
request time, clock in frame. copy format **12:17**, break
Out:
**6:38**
